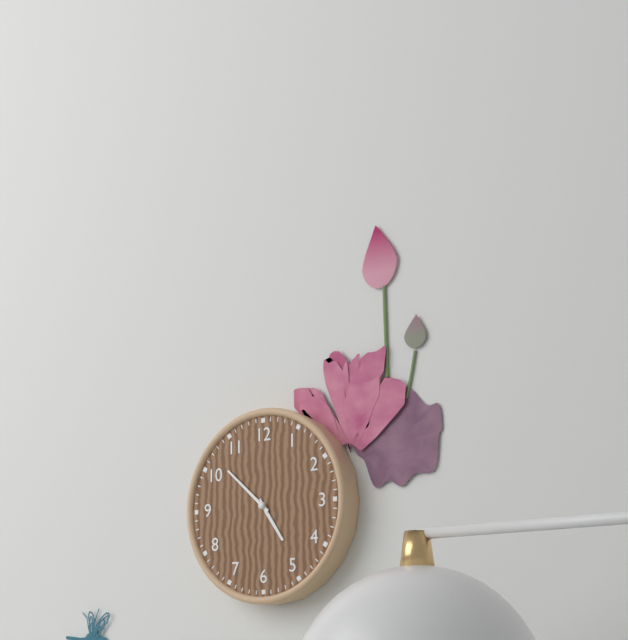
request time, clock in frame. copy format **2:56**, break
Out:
**4:52**
